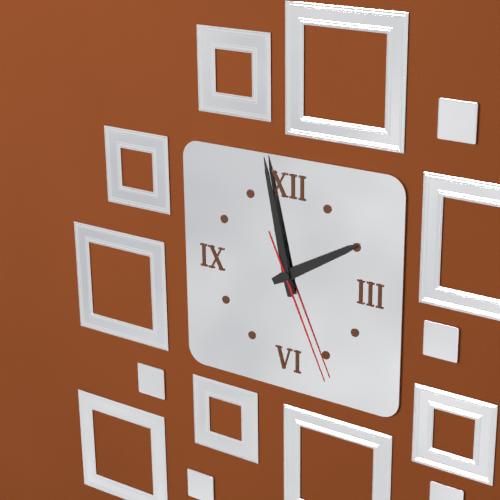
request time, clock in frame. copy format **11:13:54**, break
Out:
**1:58:26**
